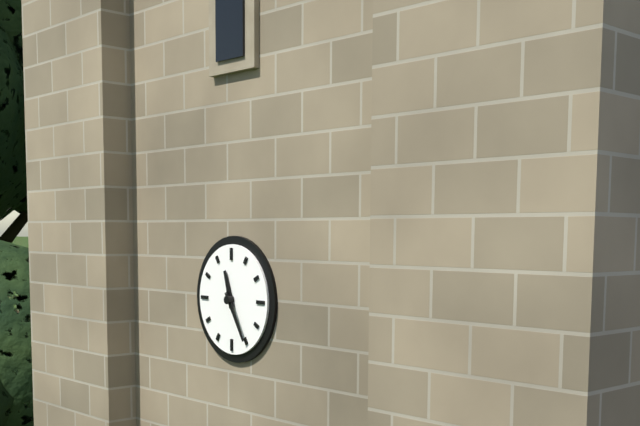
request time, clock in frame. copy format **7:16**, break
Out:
**11:25**
